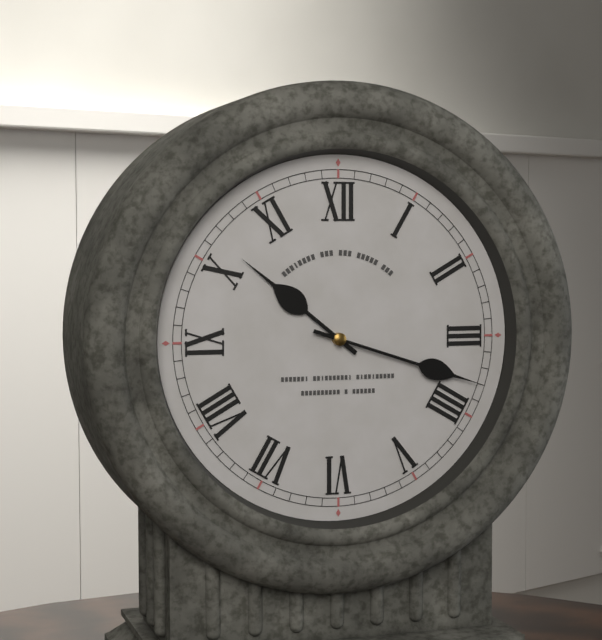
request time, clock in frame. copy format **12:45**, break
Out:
**10:18**
